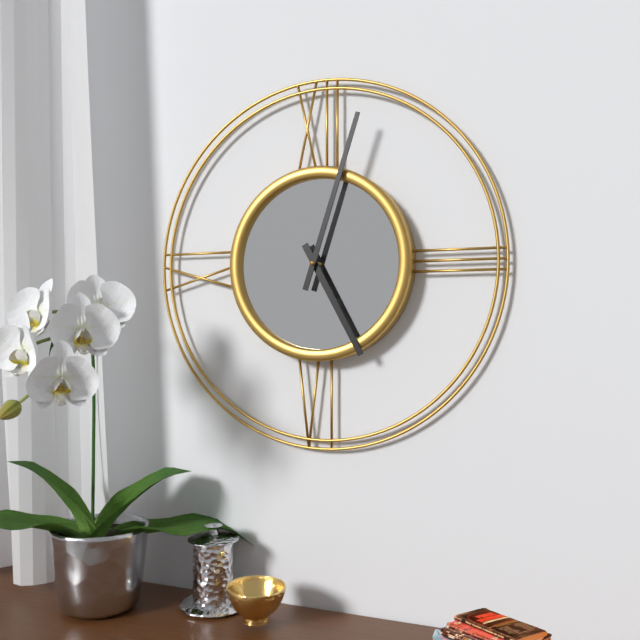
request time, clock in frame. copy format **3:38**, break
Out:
**5:03**
